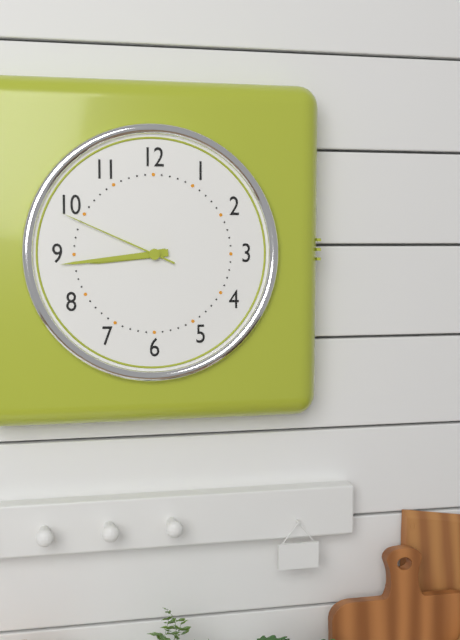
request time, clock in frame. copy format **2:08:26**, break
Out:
**8:44:49**
